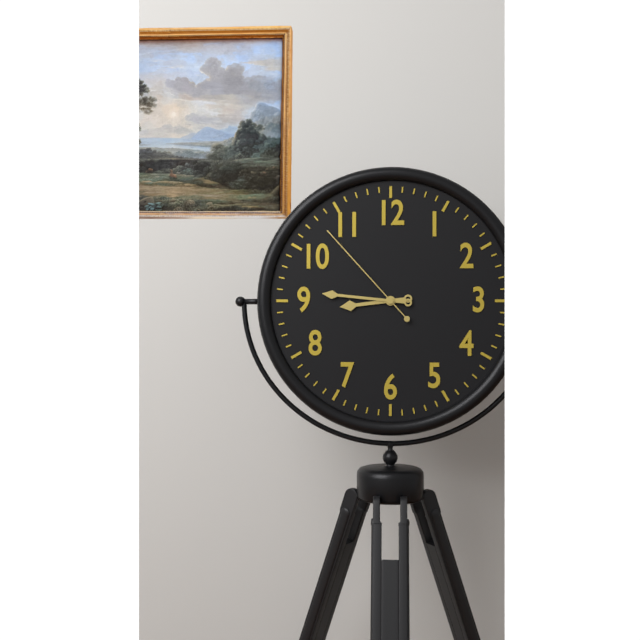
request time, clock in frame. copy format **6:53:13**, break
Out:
**8:46:53**
